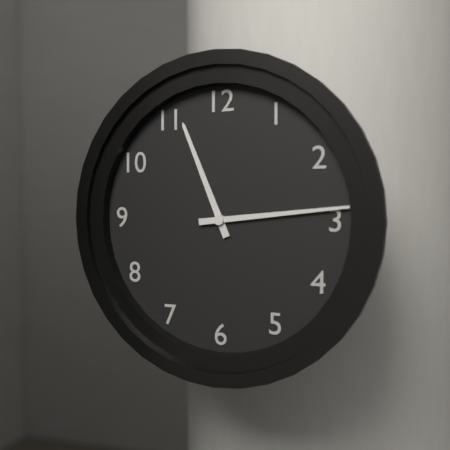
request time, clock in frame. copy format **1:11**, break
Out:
**11:14**
